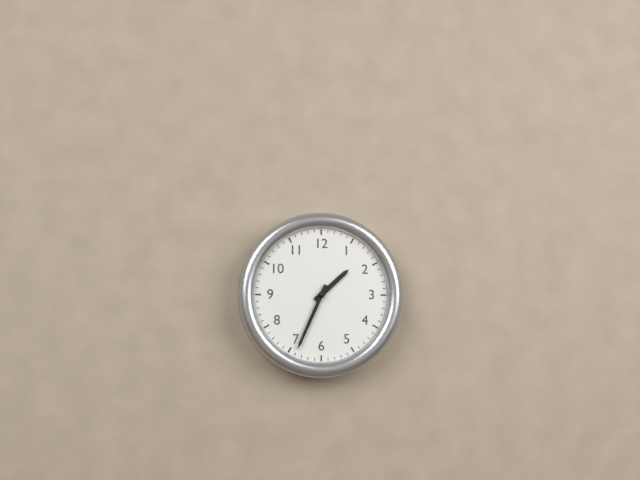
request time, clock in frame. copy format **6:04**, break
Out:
**1:34**
